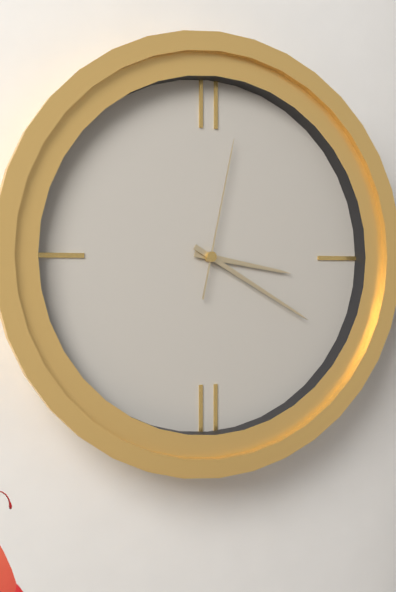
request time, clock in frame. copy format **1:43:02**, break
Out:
**3:20:02**
